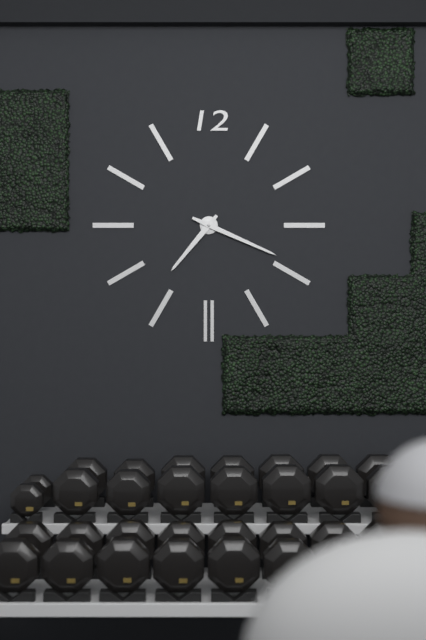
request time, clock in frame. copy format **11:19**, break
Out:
**7:19**
